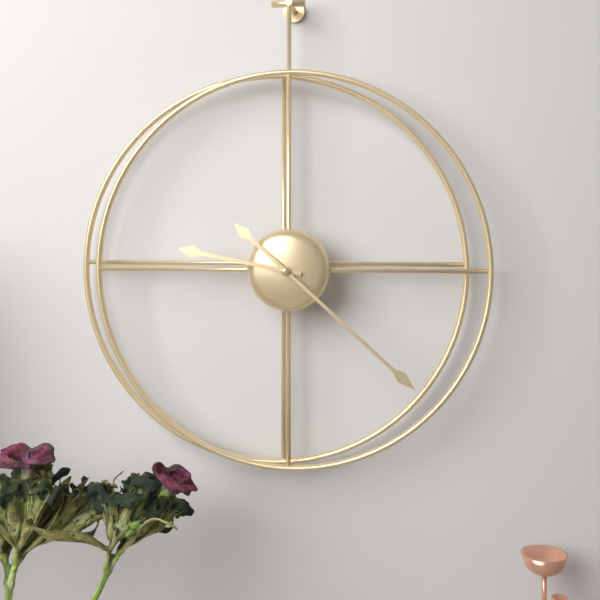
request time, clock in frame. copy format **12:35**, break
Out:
**9:22**
